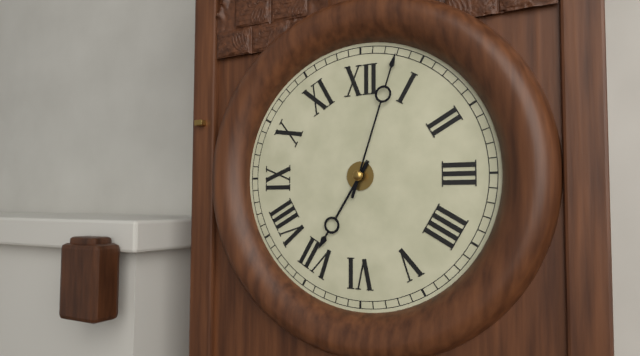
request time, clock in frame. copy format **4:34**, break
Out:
**7:03**
